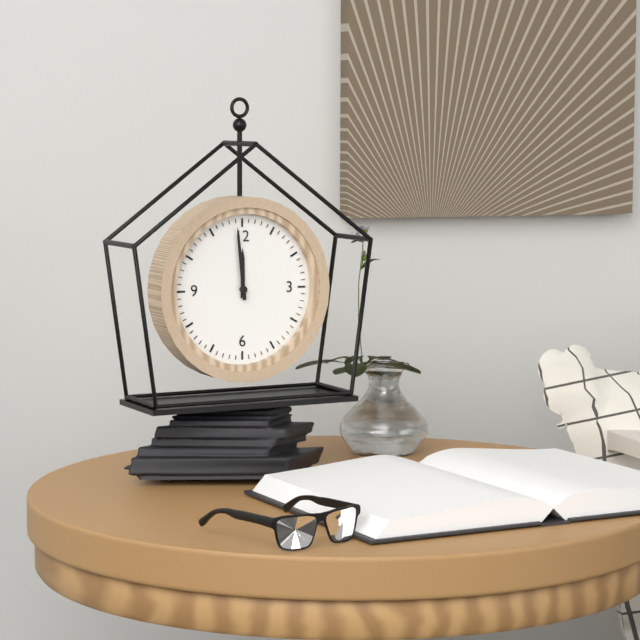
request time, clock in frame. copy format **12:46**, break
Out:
**11:59**
